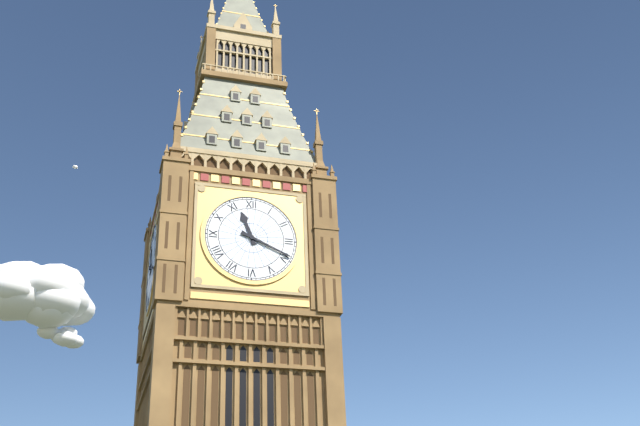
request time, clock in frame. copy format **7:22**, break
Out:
**11:19**
